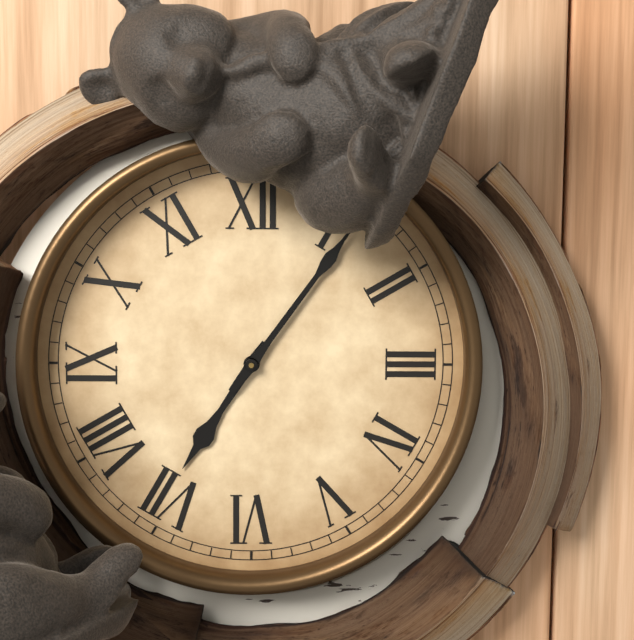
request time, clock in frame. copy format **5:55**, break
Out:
**7:06**
